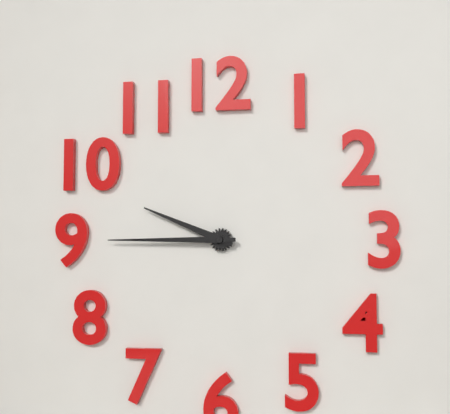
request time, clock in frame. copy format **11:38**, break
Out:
**9:45**
